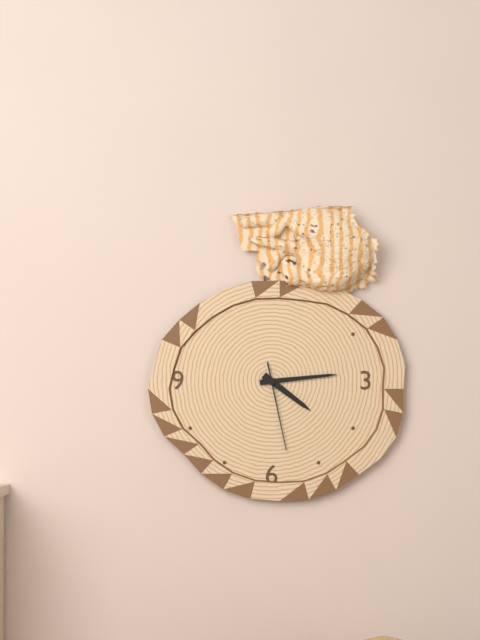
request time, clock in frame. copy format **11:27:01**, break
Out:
**4:14:28**
